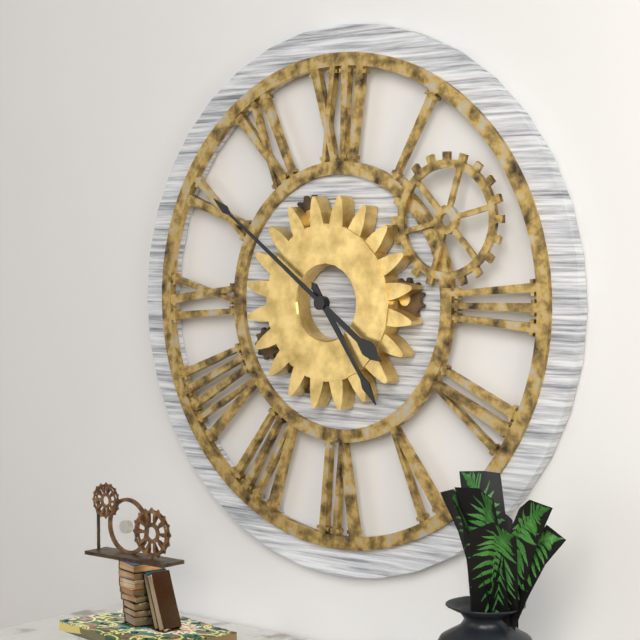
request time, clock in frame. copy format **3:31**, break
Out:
**4:51**
